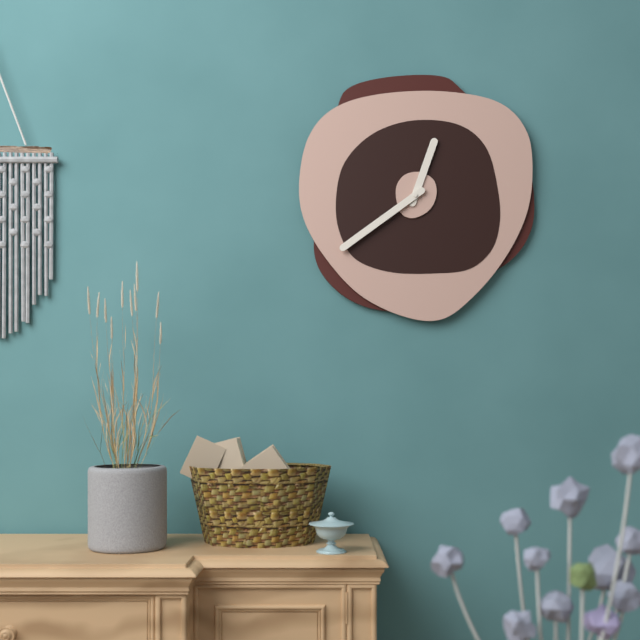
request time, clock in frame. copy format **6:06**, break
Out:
**12:39**
